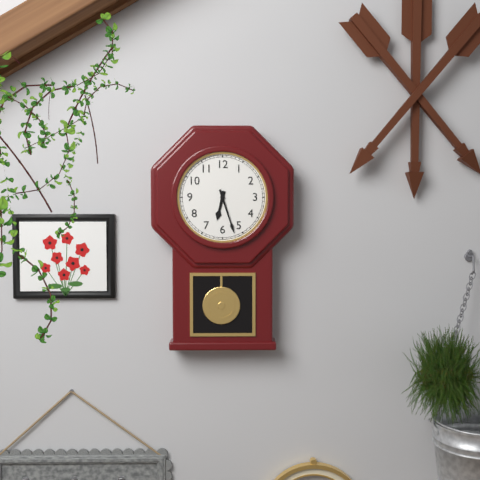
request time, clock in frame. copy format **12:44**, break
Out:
**6:27**
